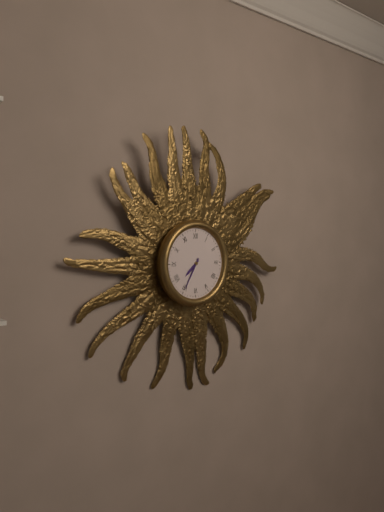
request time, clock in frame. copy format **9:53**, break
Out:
**7:35**
